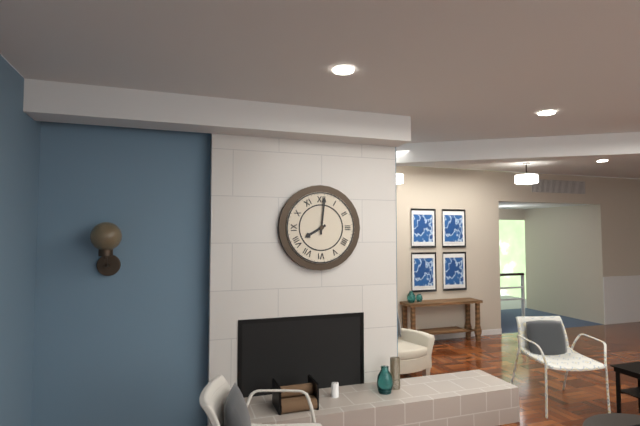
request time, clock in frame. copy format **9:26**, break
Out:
**8:01**
